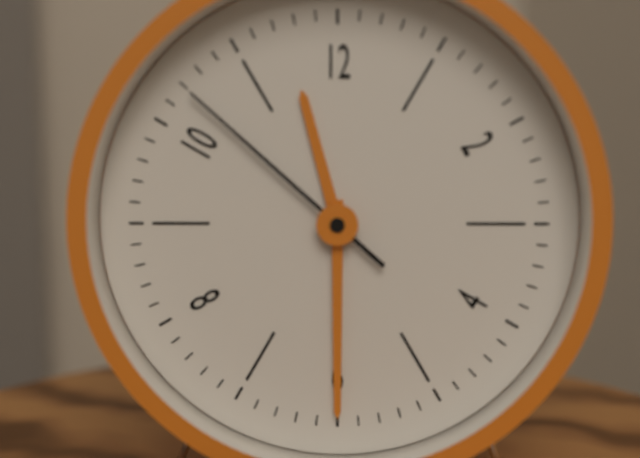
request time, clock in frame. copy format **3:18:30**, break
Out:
**11:30:52**
